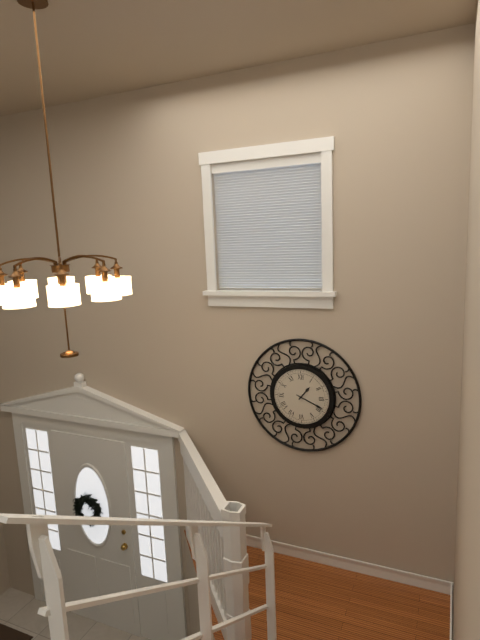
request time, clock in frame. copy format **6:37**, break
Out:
**1:19**
